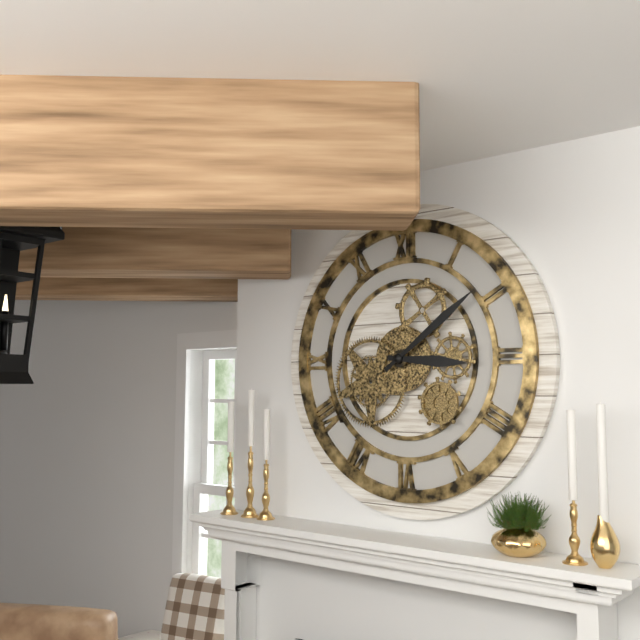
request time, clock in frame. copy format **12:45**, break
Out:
**3:09**
